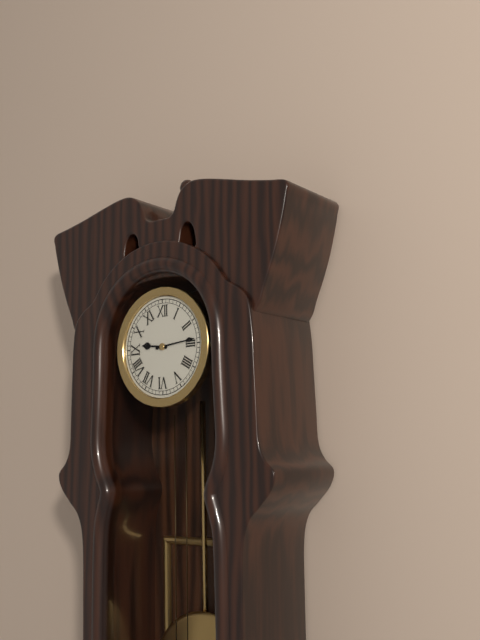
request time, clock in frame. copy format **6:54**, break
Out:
**9:14**
